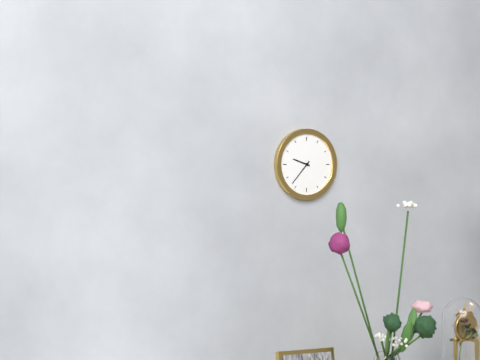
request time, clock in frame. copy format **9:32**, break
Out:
**9:37**
